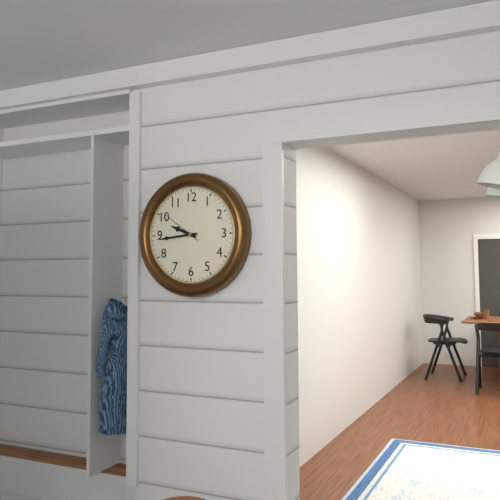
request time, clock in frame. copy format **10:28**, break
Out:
**9:44**
